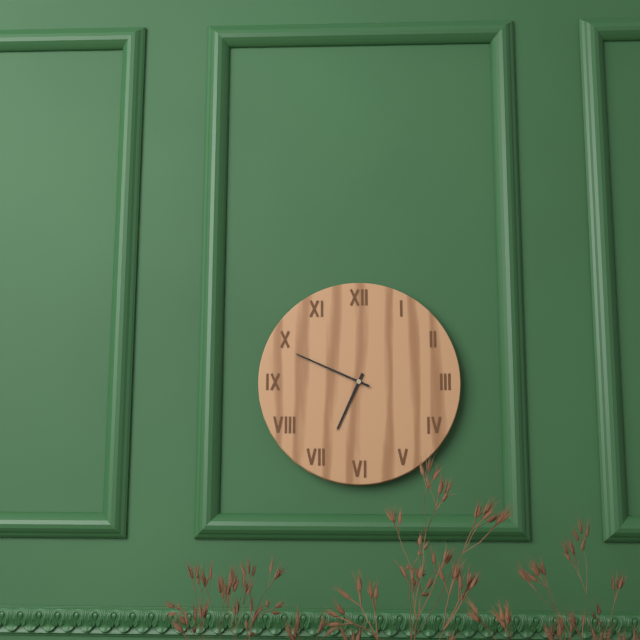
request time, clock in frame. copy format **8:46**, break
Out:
**6:49**
